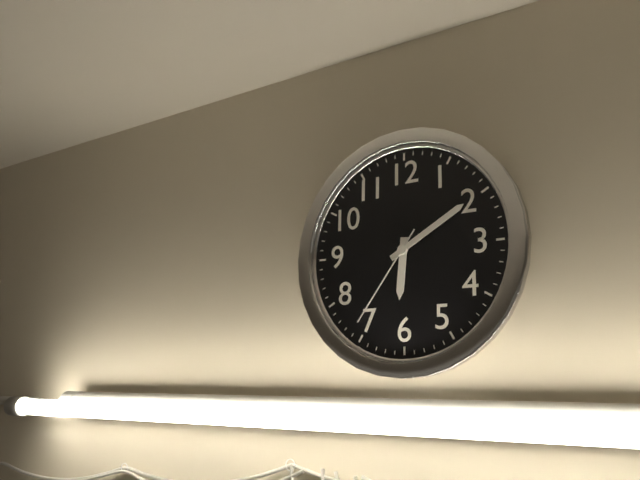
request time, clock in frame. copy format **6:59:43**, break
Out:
**6:10:36**
